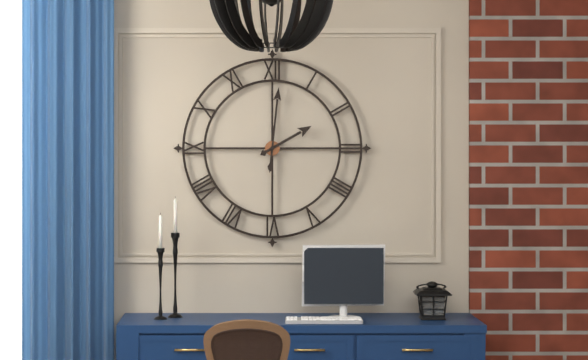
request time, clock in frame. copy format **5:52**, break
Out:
**2:01**
